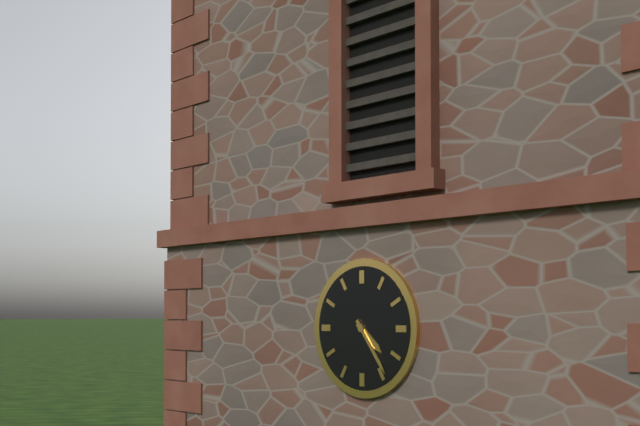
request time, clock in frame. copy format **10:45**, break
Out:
**4:24**
